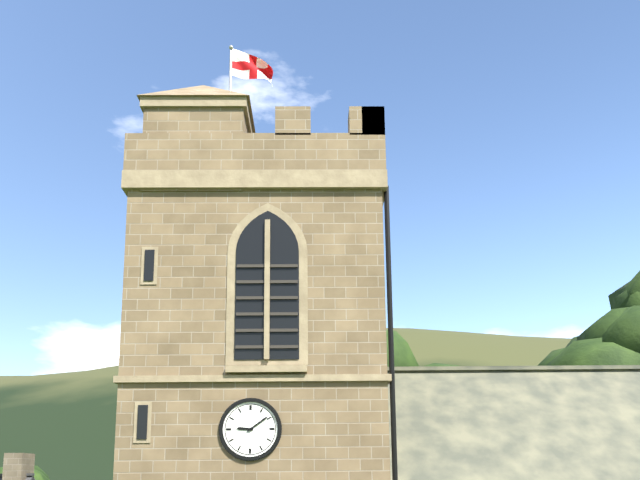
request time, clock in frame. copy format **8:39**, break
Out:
**9:09**
